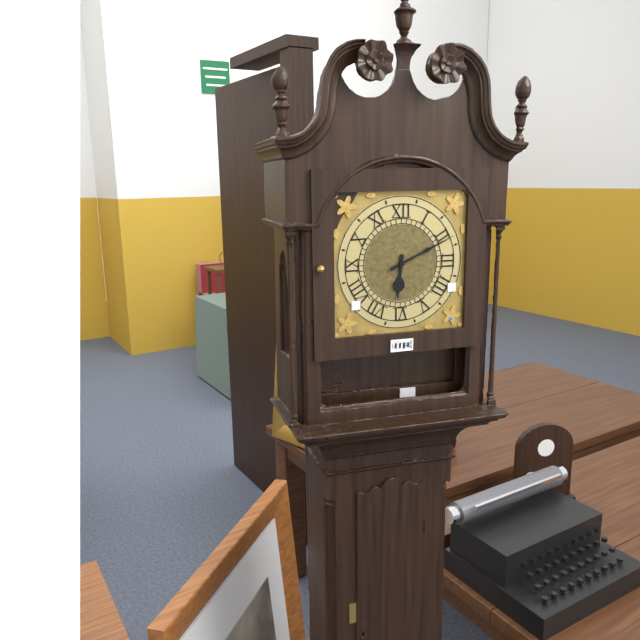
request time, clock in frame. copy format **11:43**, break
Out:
**6:11**
